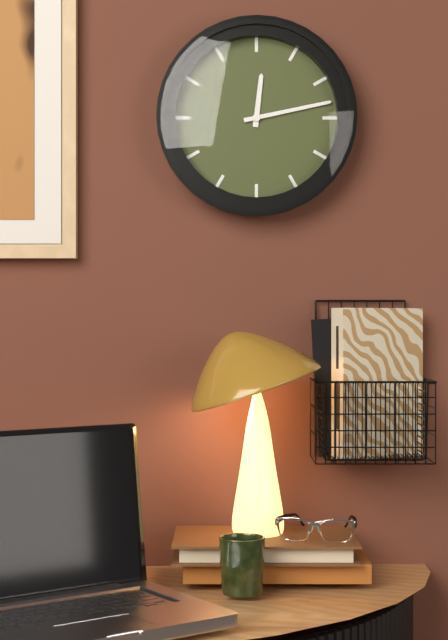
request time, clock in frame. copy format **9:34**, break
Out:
**12:13**
